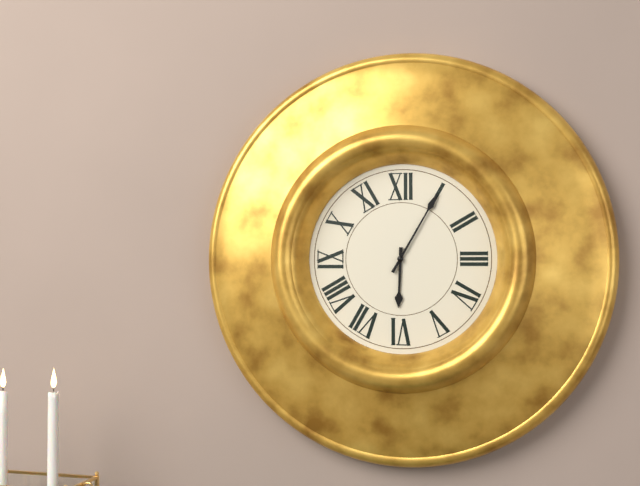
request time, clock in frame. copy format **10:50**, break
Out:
**6:05**
